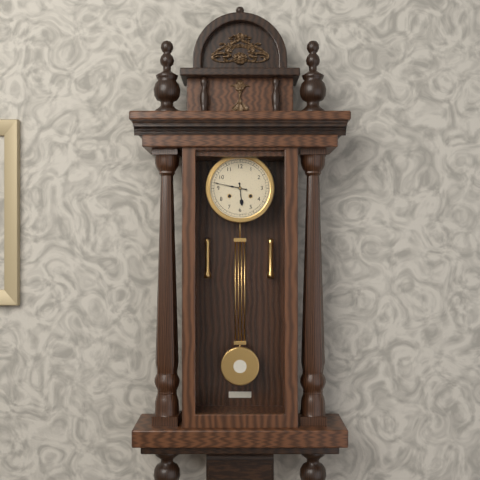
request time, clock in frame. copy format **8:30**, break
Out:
**5:47**
